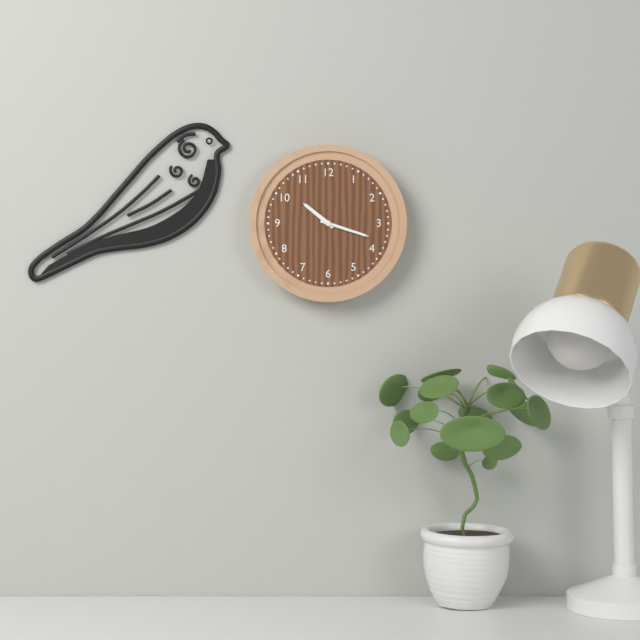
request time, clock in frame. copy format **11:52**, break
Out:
**10:18**
